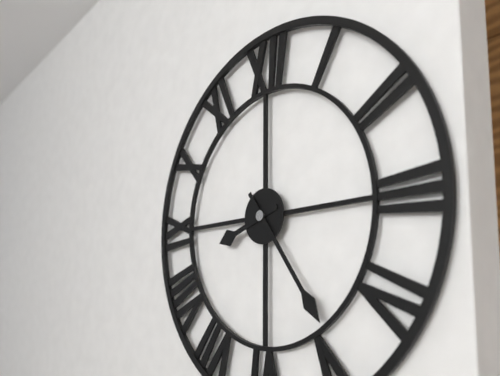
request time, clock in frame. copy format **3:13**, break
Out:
**8:24**
